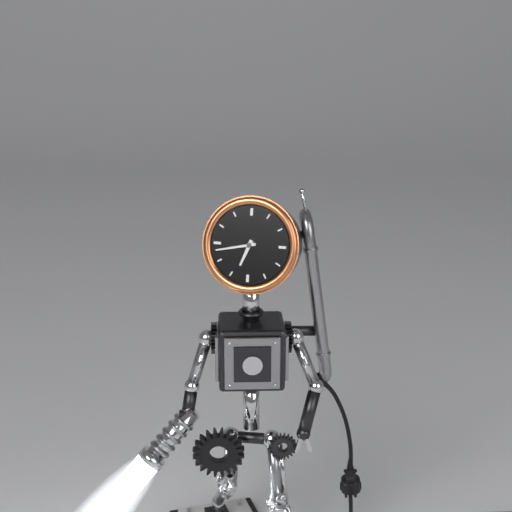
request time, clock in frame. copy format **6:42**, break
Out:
**6:43**
